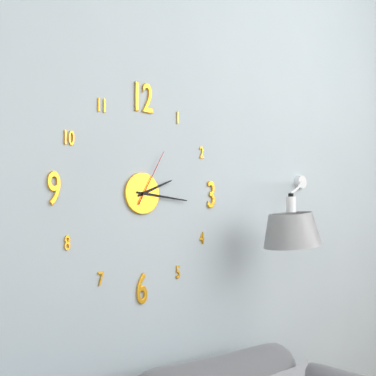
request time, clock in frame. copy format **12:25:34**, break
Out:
**2:16:05**
